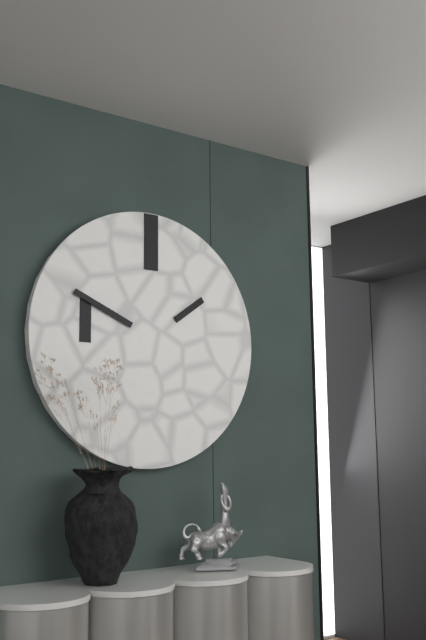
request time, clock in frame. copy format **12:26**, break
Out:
**1:49**
